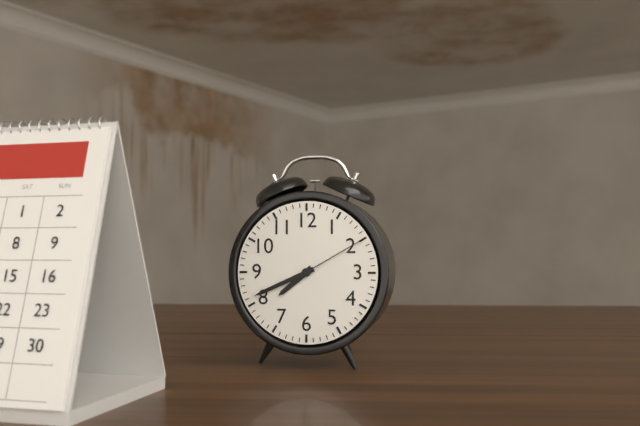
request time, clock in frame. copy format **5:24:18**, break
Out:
**7:41:10**
